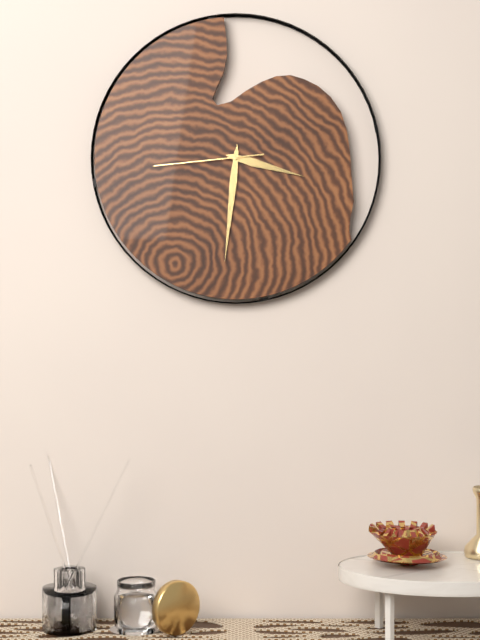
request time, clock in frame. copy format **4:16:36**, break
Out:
**3:31:44**
